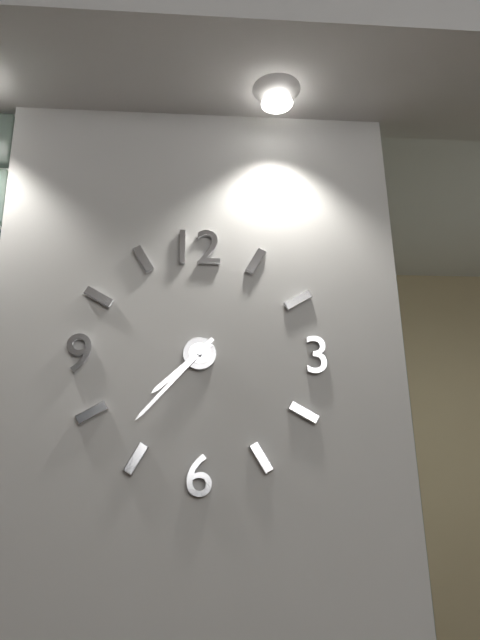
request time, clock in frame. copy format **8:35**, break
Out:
**7:37**
